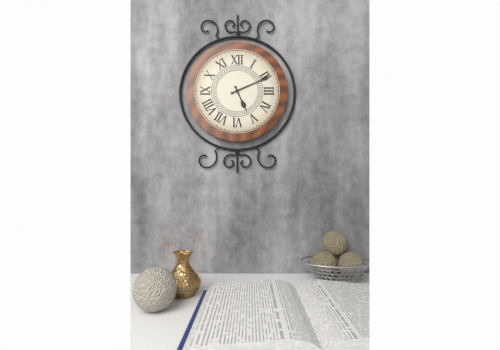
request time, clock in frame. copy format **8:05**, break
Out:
**5:11**
